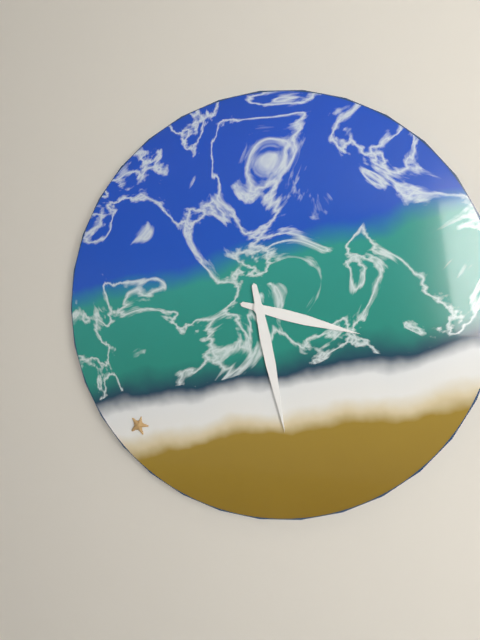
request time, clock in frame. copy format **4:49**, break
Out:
**3:28**
